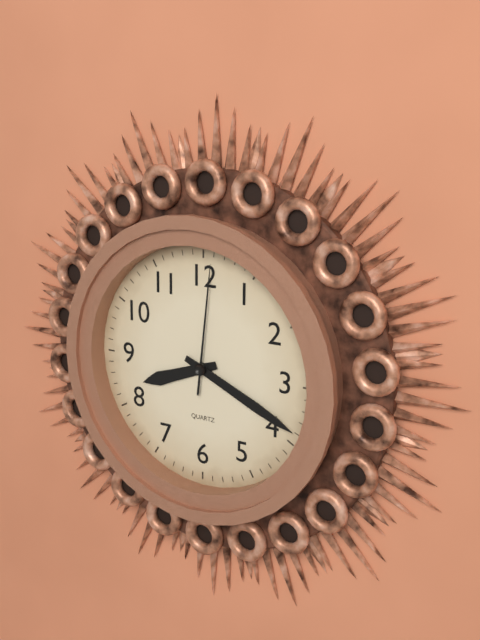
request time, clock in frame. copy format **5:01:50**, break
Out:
**8:19:01**
